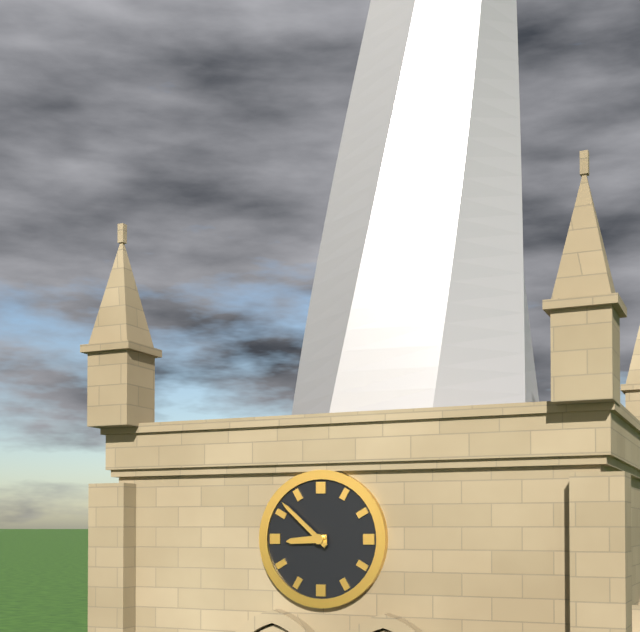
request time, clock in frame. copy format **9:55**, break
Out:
**8:52**
